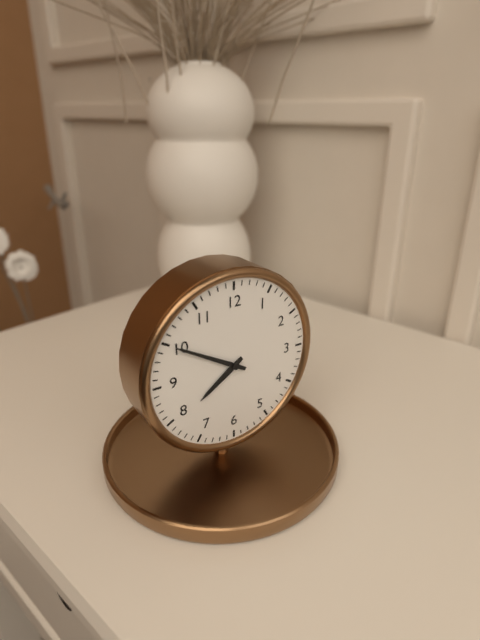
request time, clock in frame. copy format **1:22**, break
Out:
**7:50**
